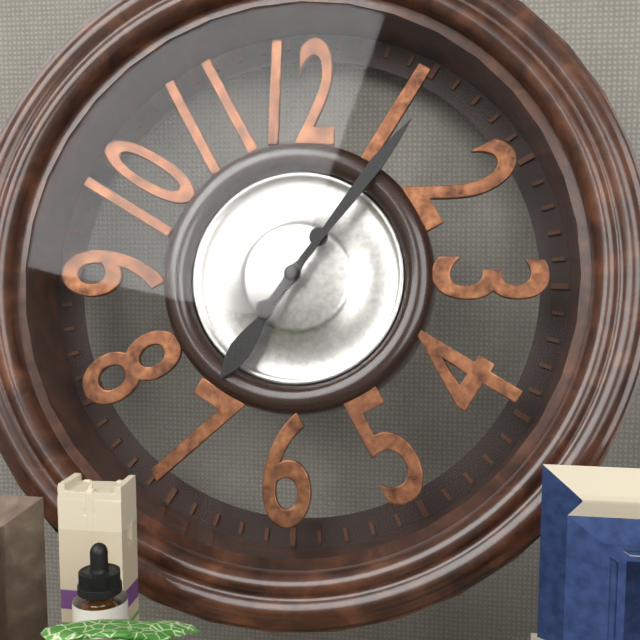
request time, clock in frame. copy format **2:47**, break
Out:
**7:06**
